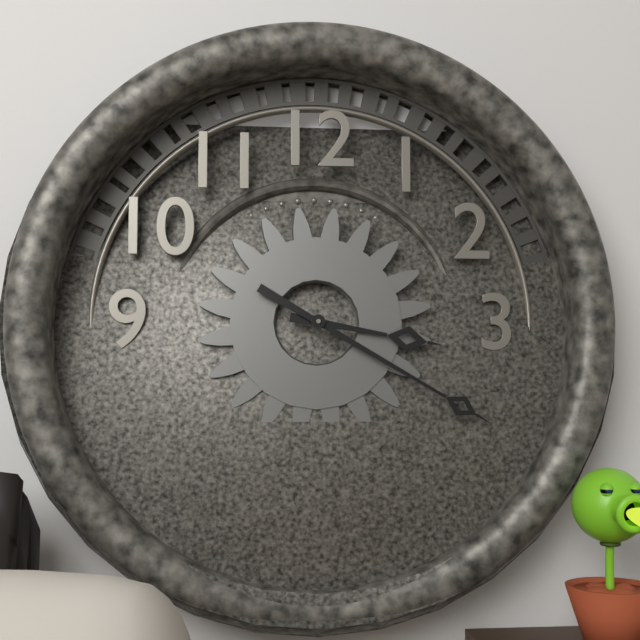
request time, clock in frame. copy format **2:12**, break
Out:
**3:20**
